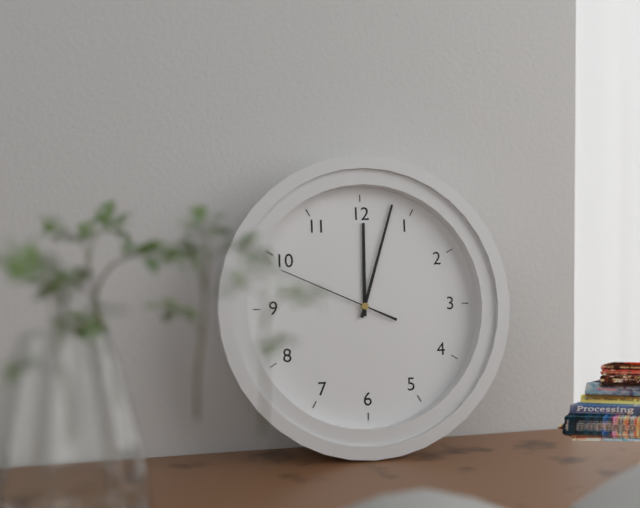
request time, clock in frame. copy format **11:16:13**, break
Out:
**12:03:49**
